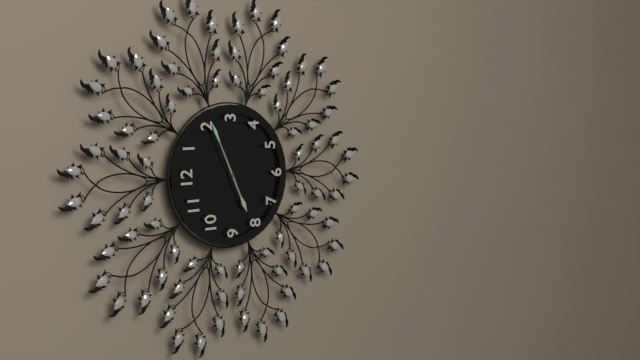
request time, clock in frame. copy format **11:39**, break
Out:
**8:11**
